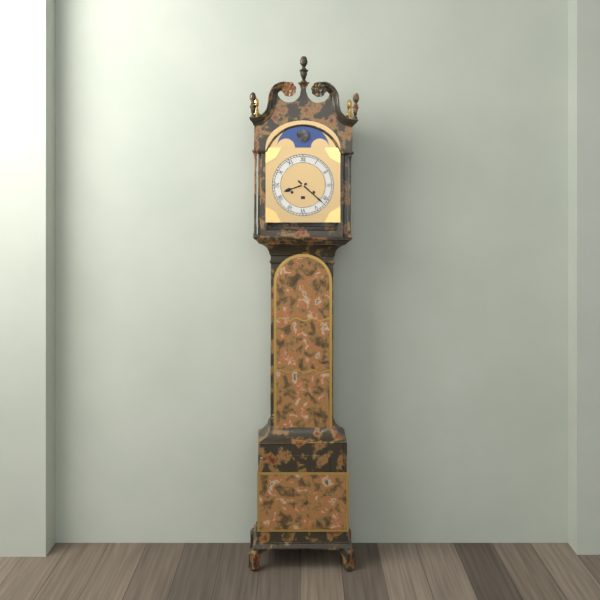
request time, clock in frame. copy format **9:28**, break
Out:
**8:22**
